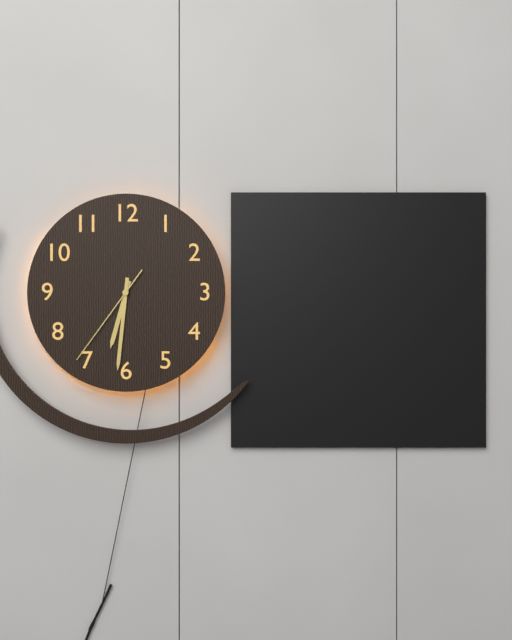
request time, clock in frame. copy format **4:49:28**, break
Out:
**6:31:36**
